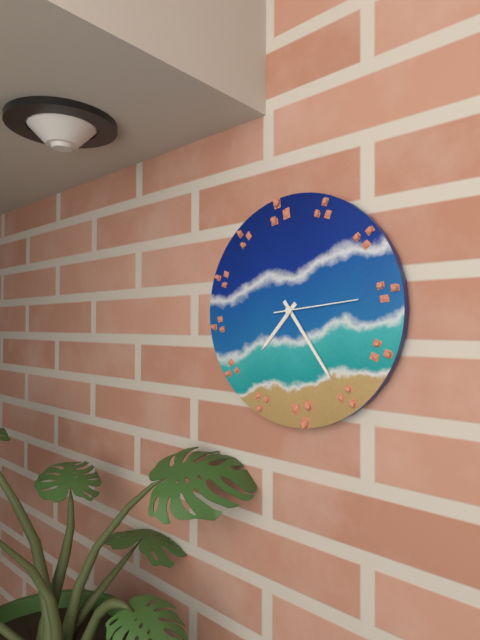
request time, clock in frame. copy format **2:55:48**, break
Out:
**7:24:14**
